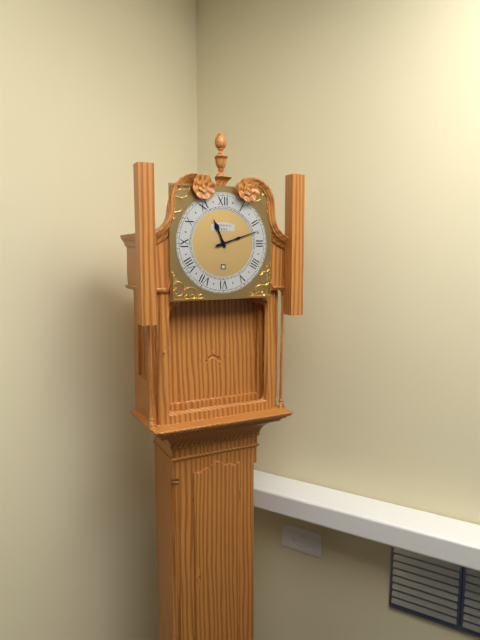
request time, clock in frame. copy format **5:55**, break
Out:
**11:12**
